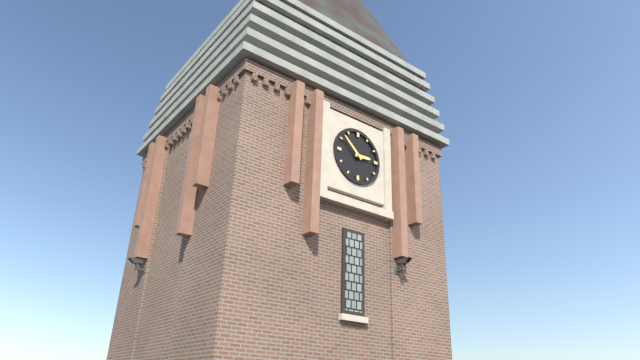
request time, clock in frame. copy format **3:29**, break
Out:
**2:52**
